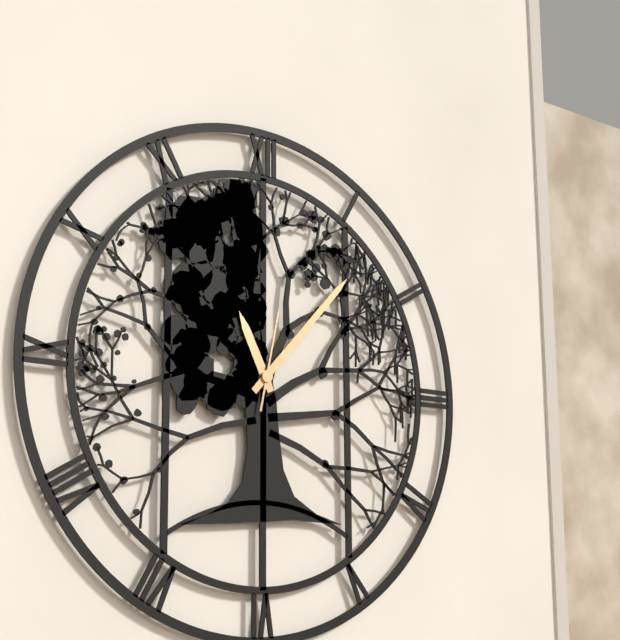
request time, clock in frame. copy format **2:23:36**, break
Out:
**11:07:02**
